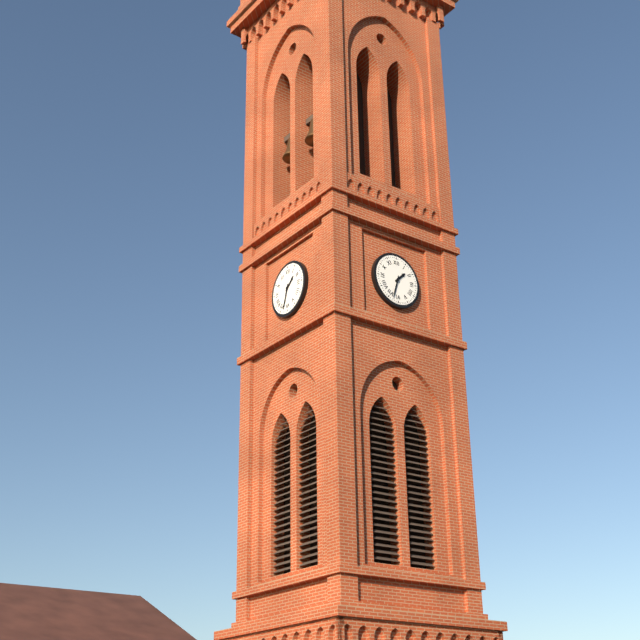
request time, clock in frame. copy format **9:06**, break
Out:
**1:33**
